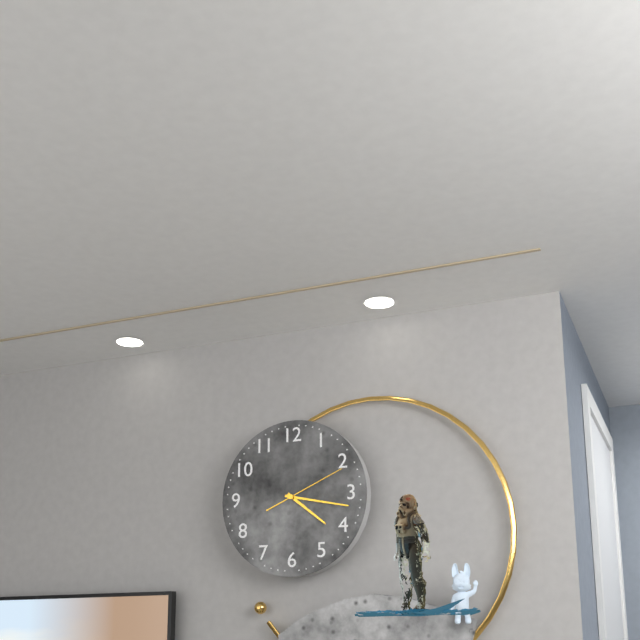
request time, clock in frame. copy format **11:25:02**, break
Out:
**4:17:11**
